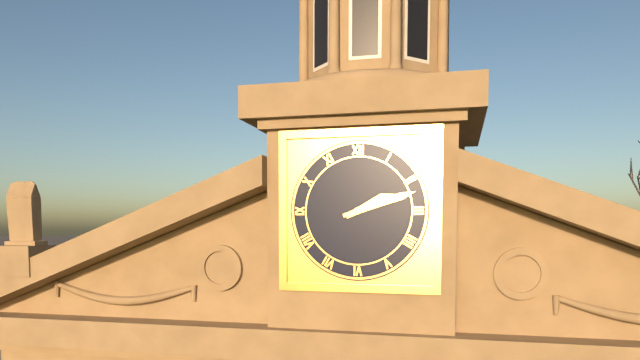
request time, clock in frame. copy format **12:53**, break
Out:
**2:12**
